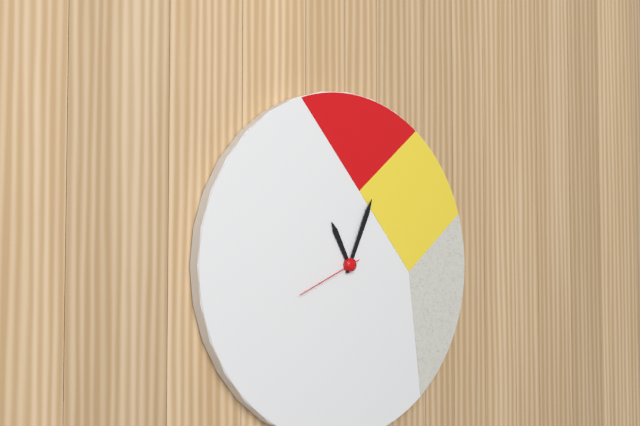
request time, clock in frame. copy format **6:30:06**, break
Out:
**11:04:41**
